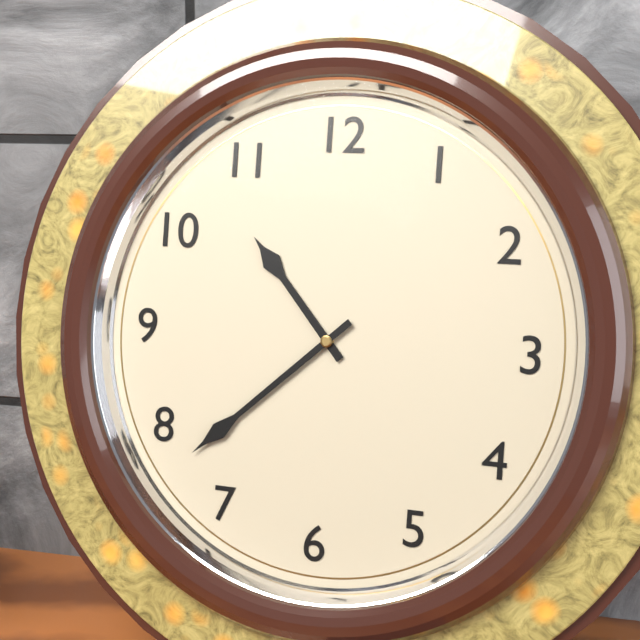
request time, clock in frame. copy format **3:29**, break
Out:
**10:38**
